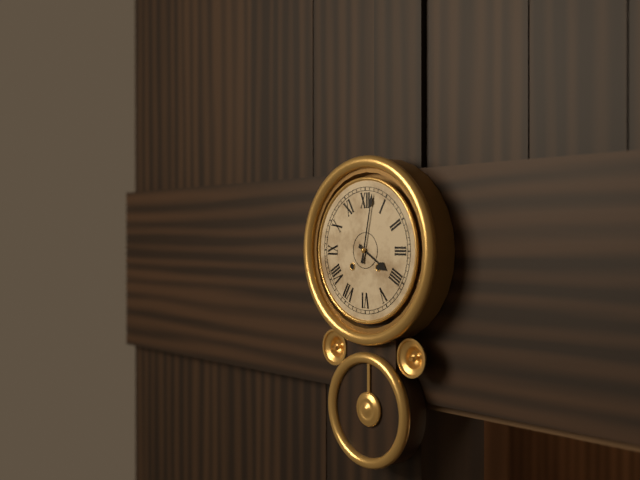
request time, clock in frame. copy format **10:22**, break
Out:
**4:02**
